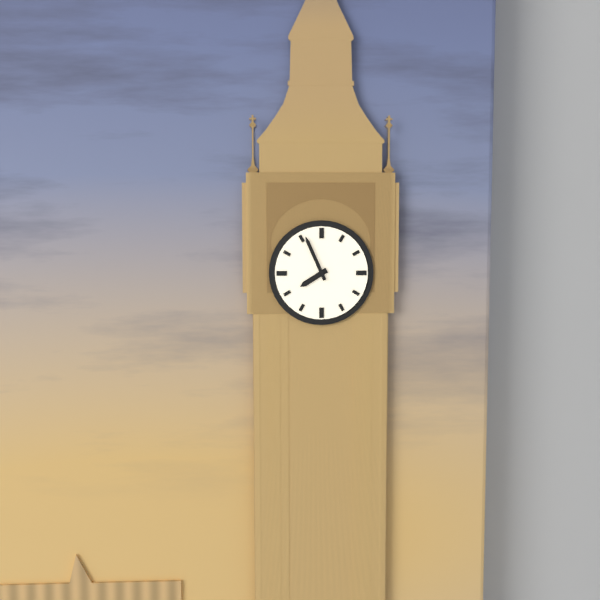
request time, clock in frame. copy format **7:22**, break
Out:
**7:56**
